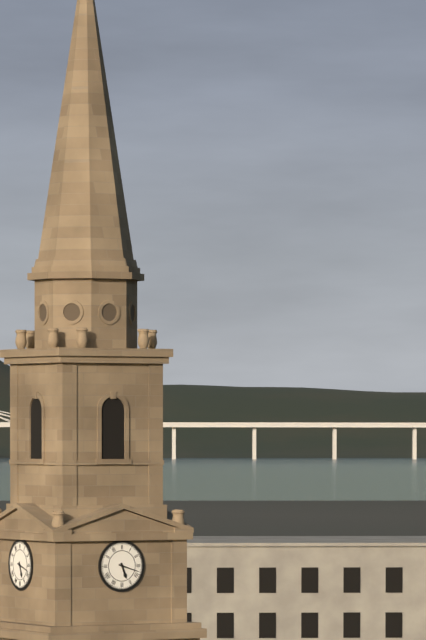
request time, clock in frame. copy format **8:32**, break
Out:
**5:18**
